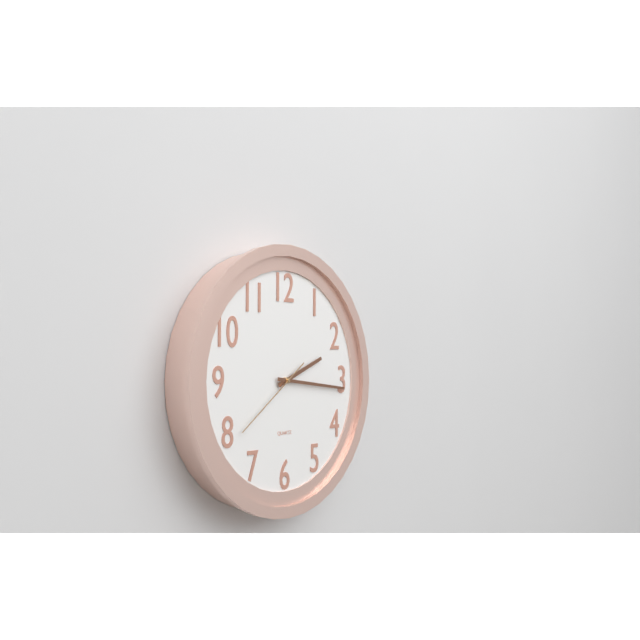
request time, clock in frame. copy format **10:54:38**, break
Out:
**2:16:39**
